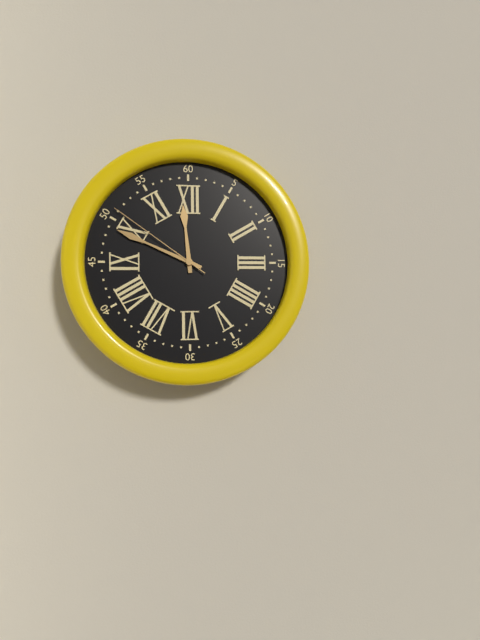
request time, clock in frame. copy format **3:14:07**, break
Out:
**11:49:51**
